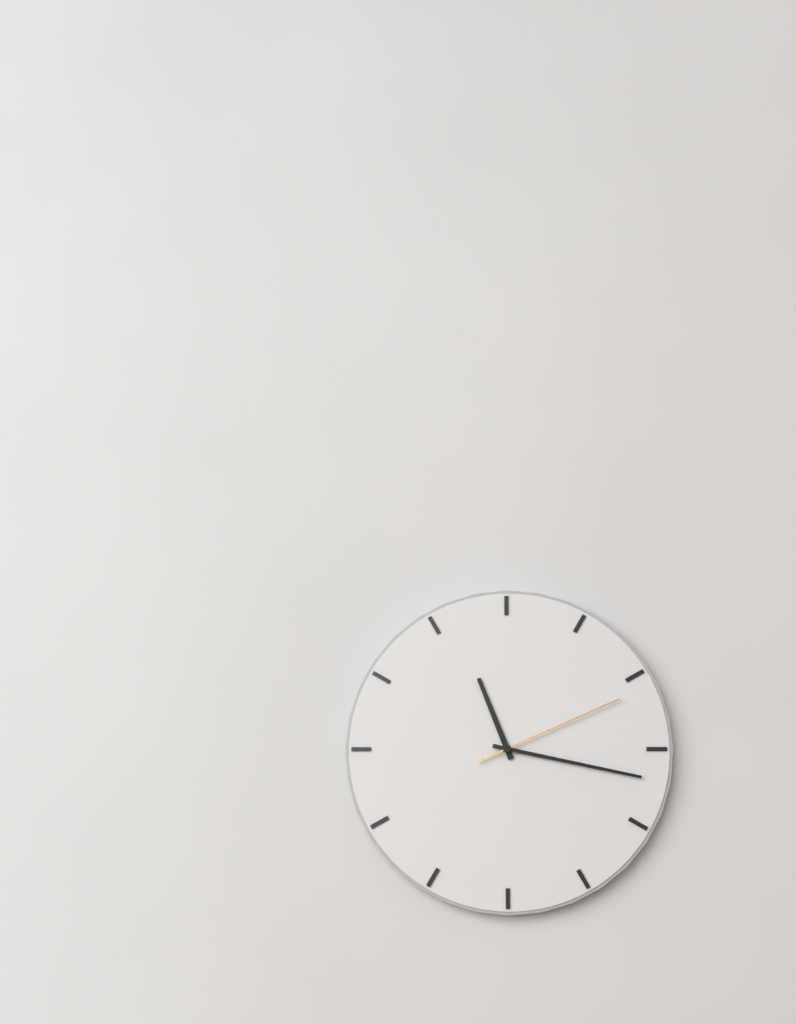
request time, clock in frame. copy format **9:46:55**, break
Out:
**11:17:11**
